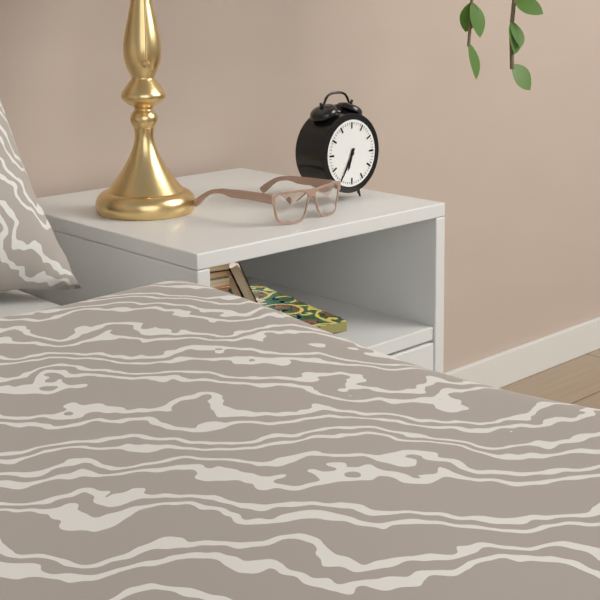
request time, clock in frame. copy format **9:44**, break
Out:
**6:35**
